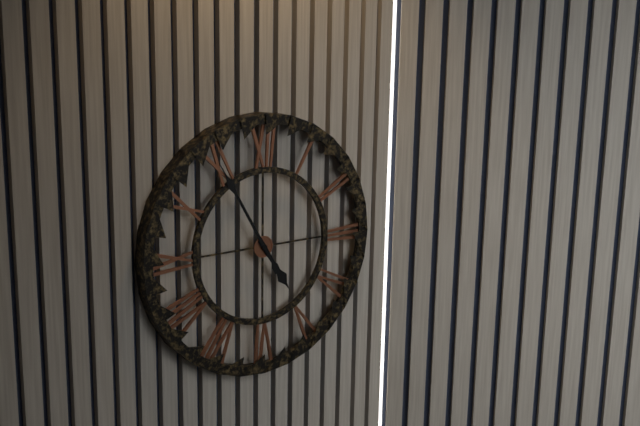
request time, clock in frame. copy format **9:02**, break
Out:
**4:55**
